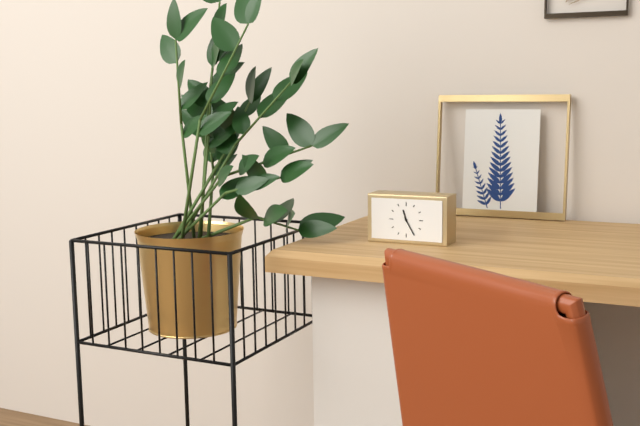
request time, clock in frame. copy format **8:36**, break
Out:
**11:25**
